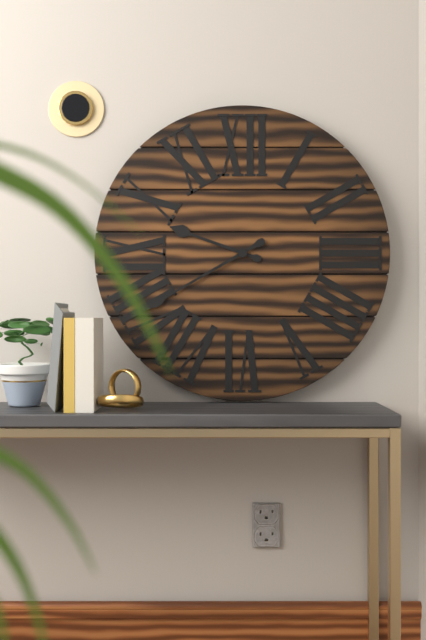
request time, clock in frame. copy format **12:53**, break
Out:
**9:40**
